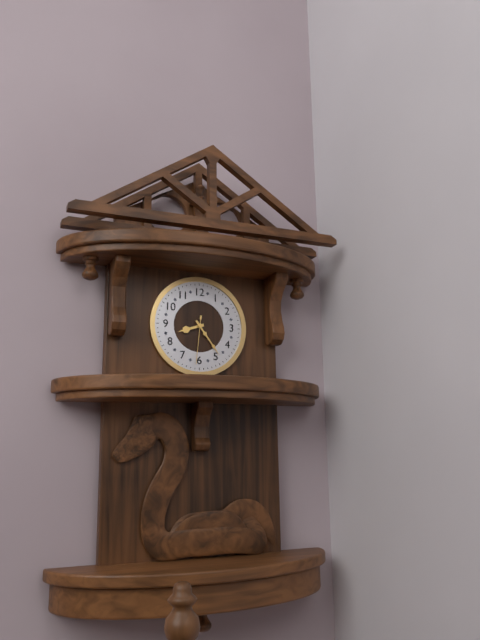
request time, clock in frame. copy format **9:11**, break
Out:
**8:24**
